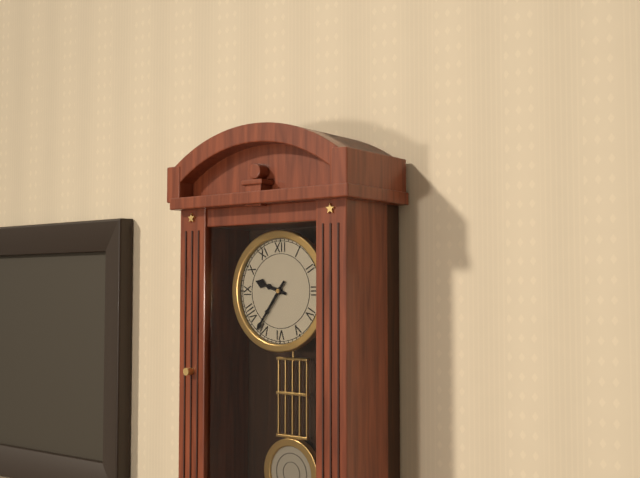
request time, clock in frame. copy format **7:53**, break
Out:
**9:36**
